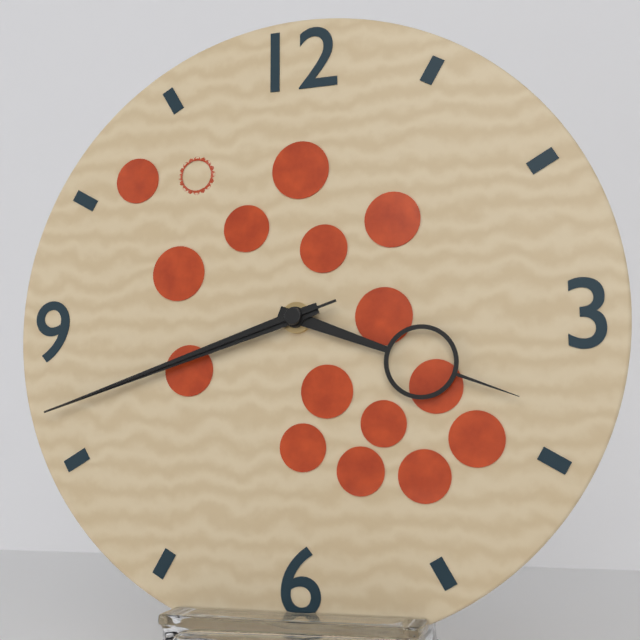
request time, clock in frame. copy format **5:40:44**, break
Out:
**3:42:42**
